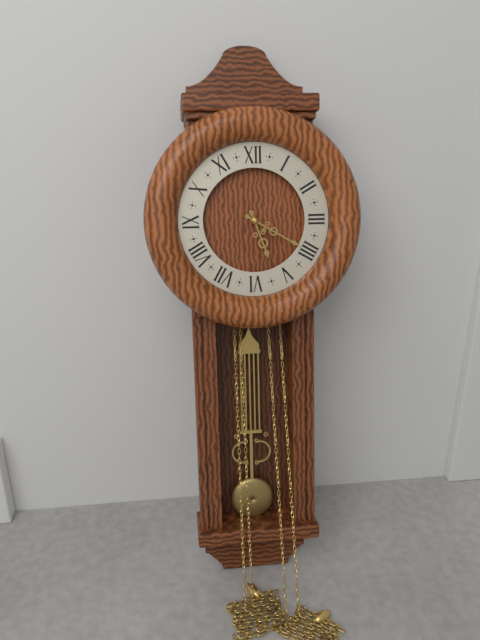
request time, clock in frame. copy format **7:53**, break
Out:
**5:20**
